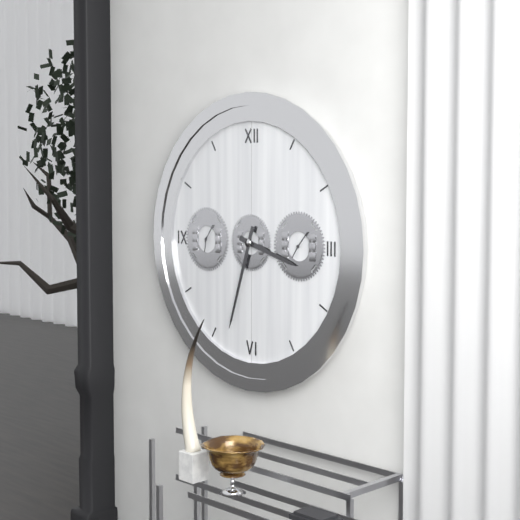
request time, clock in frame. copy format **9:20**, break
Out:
**3:33**
